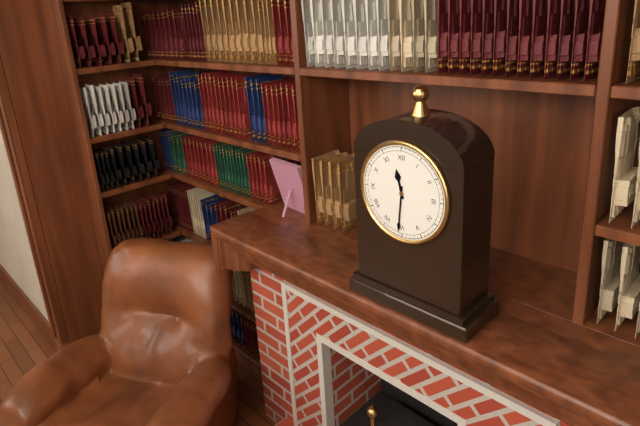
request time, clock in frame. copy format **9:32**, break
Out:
**11:31**
